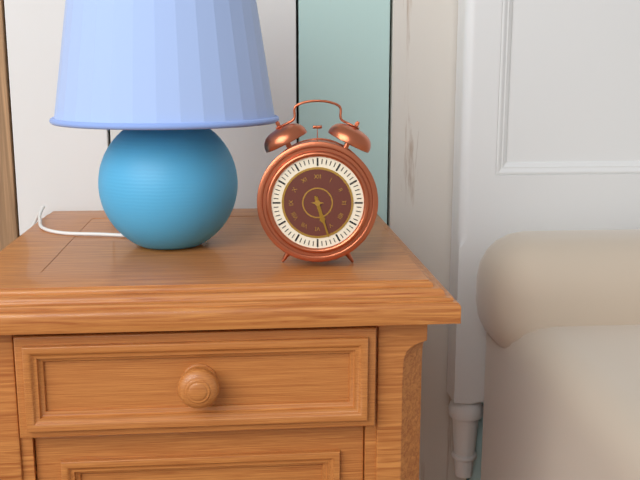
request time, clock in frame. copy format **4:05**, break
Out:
**5:27**
